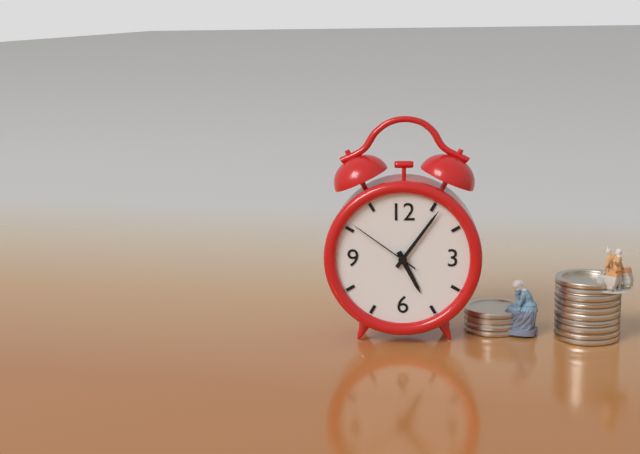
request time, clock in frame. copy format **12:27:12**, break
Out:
**5:06:51**
